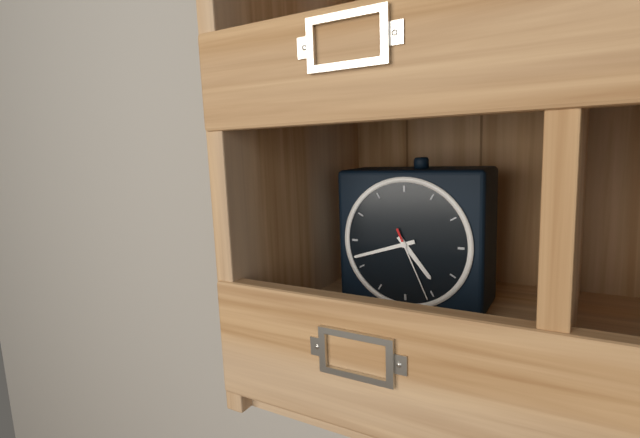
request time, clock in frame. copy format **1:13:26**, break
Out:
**4:42:26**
